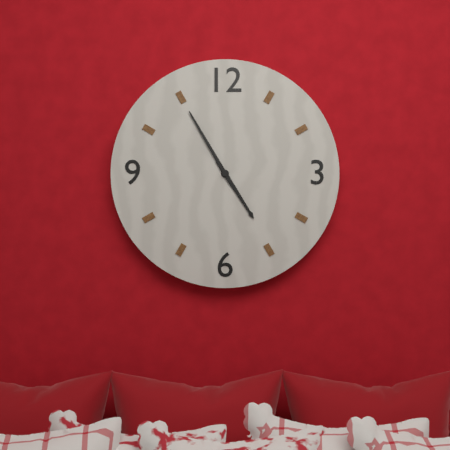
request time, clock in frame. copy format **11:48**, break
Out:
**4:55**
